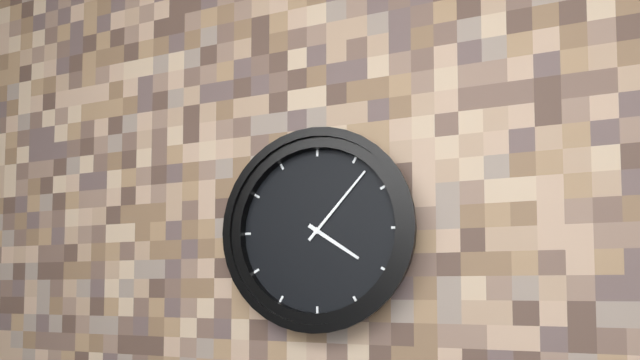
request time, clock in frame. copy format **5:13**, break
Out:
**4:07**
